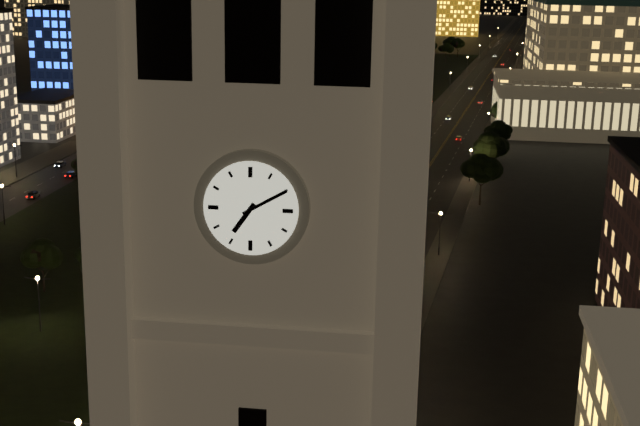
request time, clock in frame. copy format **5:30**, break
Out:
**7:10**
